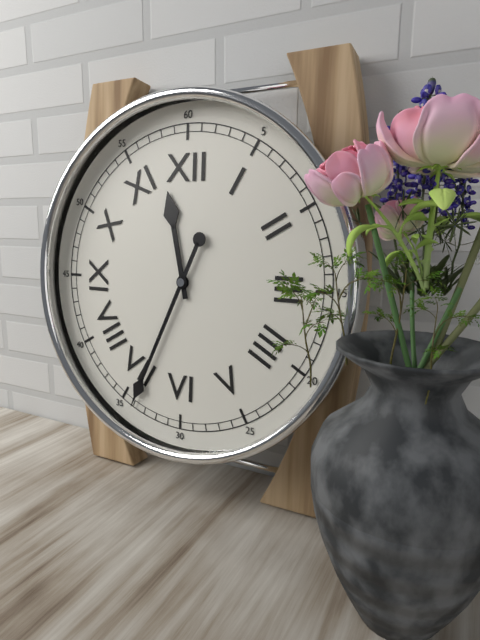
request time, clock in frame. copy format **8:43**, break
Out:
**11:34**
